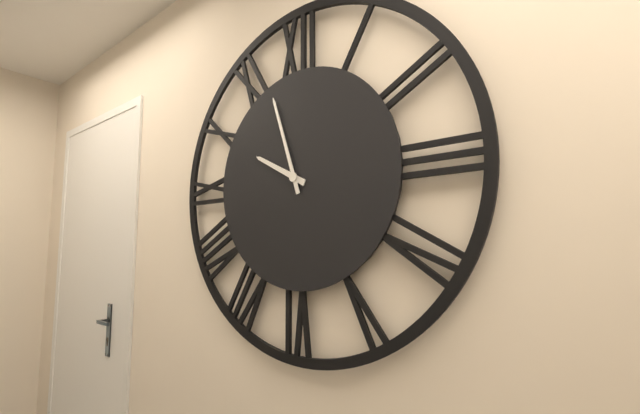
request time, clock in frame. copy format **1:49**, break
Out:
**9:57**
